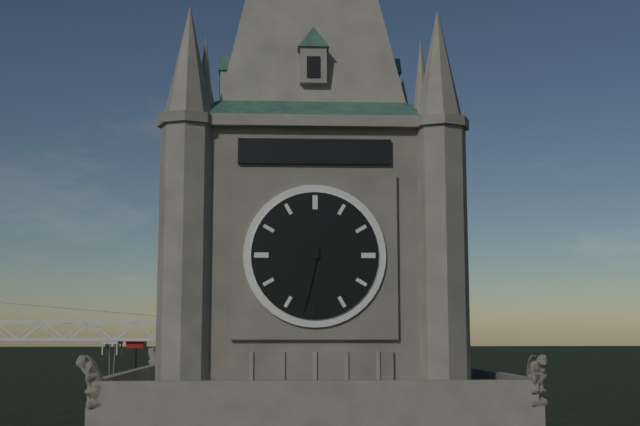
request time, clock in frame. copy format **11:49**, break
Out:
**6:32**
